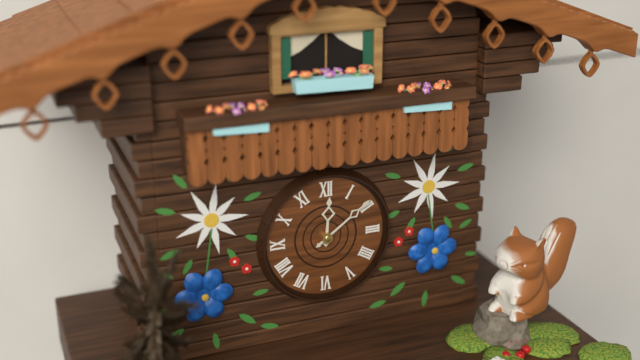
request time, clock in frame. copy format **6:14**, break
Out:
**12:09**
